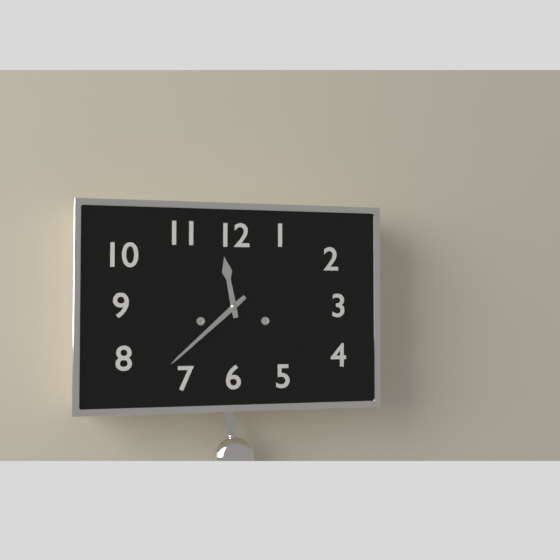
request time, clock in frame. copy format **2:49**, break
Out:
**11:38**
